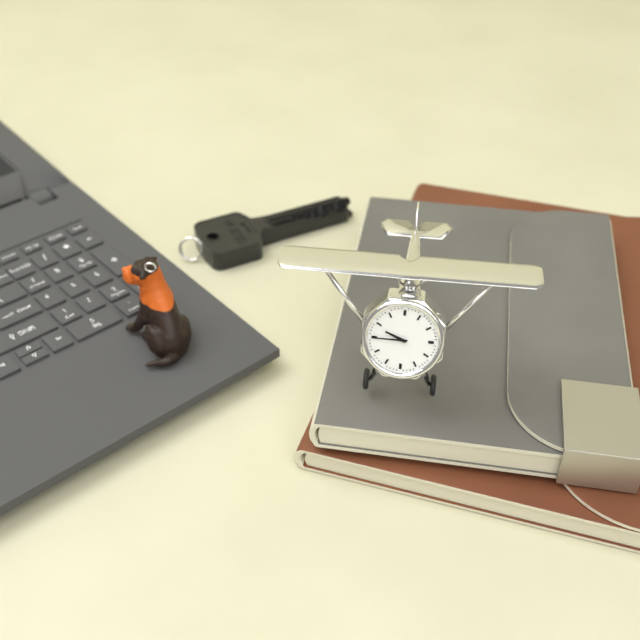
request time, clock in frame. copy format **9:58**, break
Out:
**9:45**
